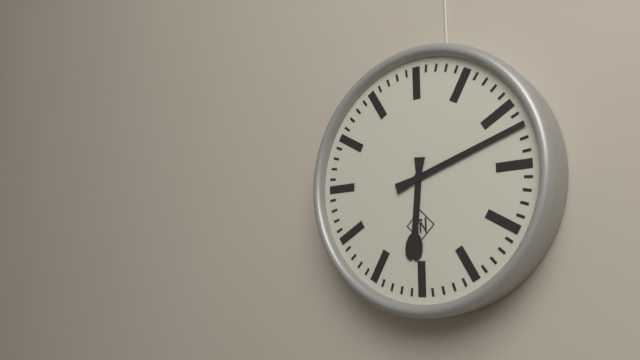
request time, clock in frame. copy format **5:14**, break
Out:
**6:12**
